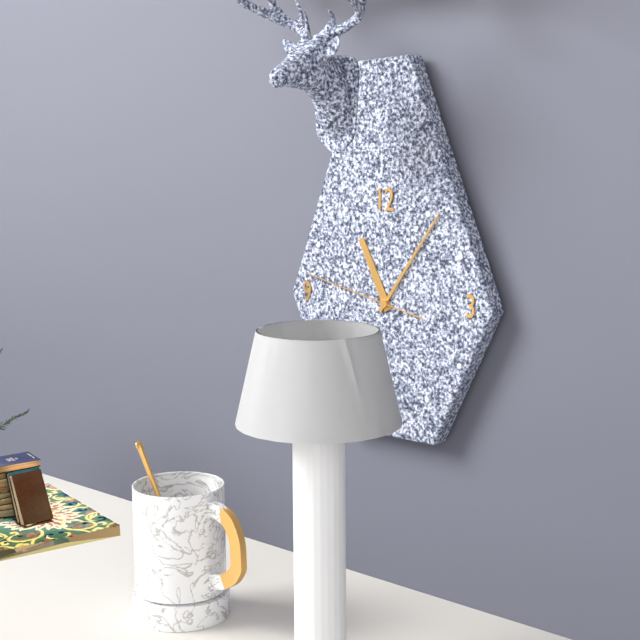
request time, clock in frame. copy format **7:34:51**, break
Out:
**11:06:47**
